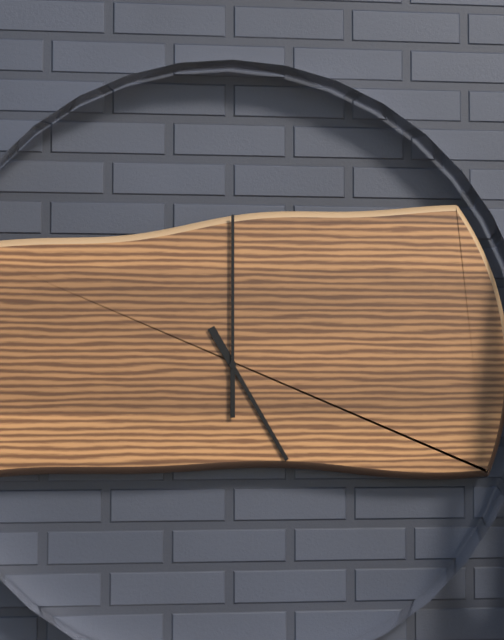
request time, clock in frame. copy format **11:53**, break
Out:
**5:00**
